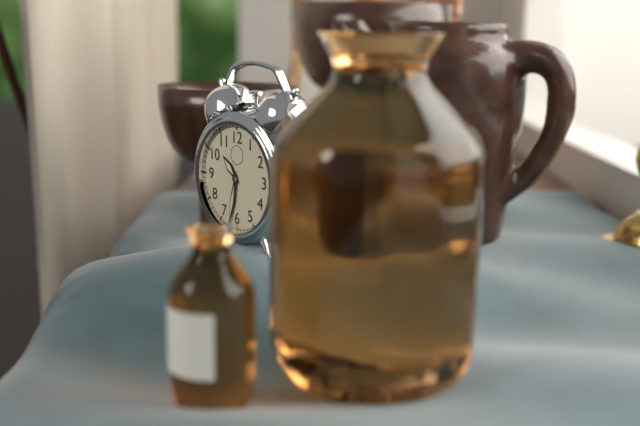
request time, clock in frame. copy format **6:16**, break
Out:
**10:32**
